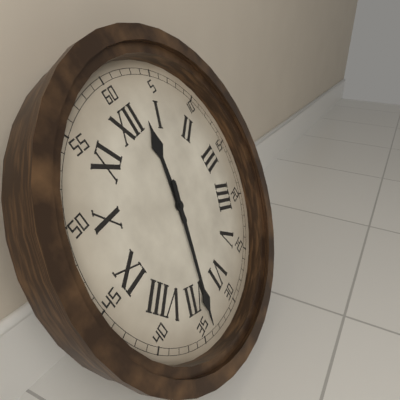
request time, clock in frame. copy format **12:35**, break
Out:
**12:34**
